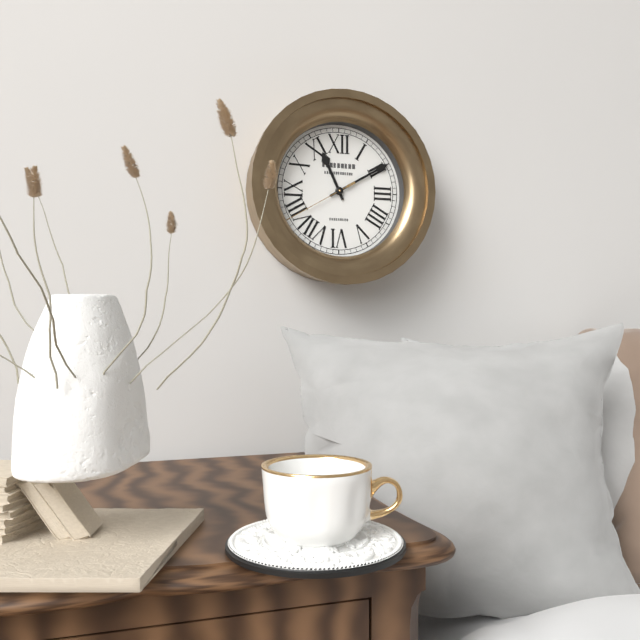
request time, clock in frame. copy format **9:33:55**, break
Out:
**11:10:40**
